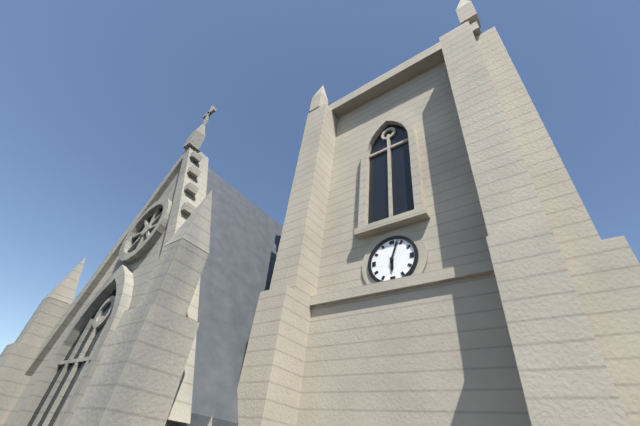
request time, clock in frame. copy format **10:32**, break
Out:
**6:03**
